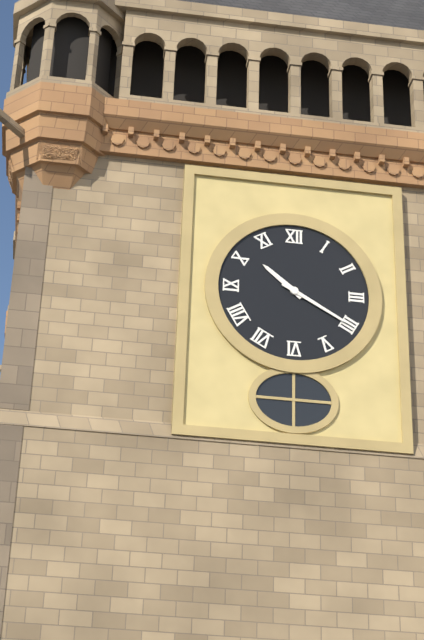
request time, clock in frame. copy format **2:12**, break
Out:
**10:20**
